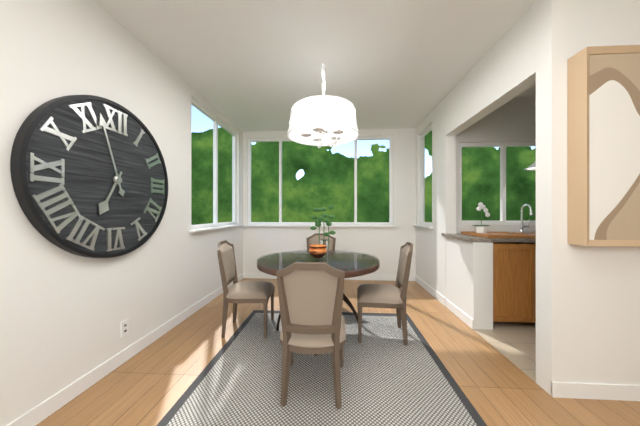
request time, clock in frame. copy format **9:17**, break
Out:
**6:57**
